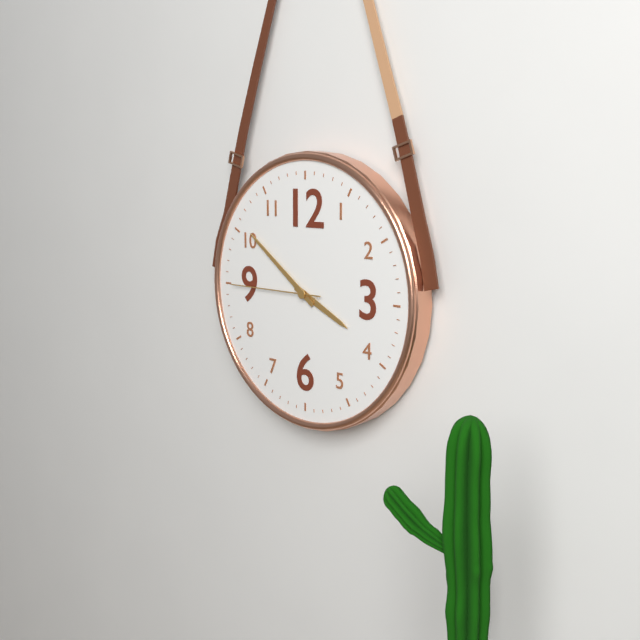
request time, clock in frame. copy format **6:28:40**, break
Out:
**3:51:45**
